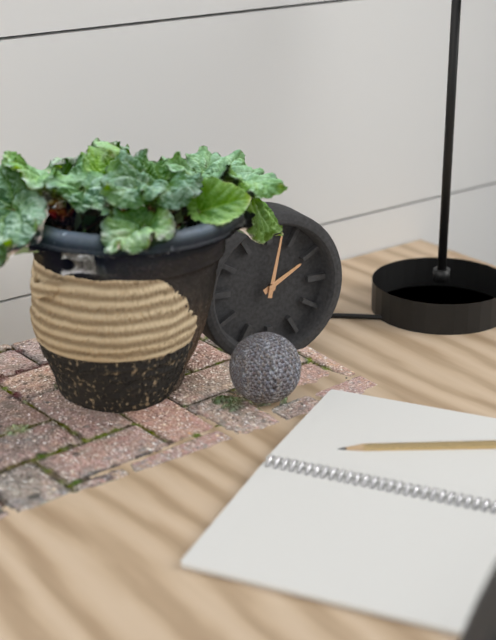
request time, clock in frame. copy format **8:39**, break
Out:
**2:02**
